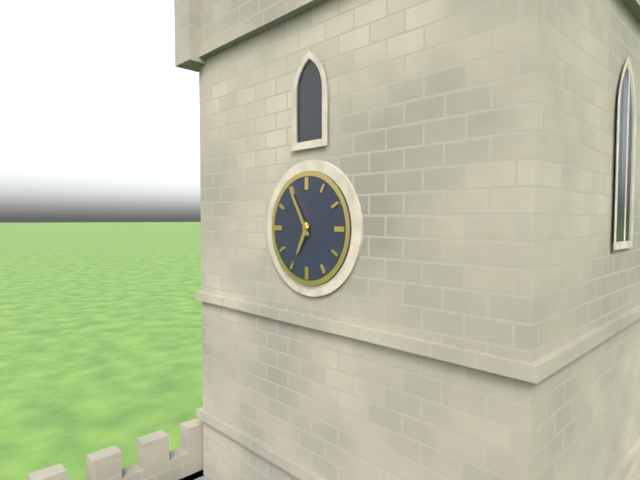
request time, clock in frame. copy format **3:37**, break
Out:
**6:55**
